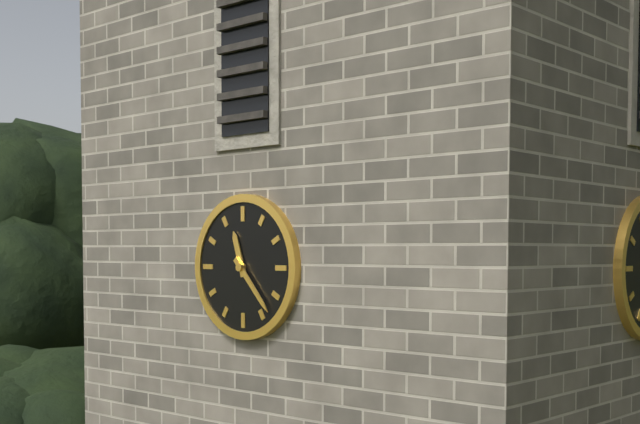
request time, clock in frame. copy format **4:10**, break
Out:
**11:23**
